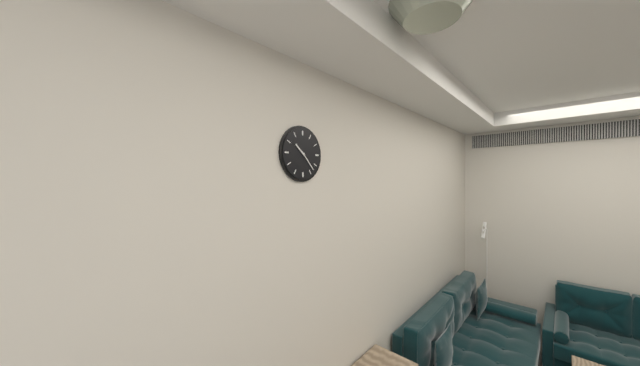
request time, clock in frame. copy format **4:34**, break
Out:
**10:23**
